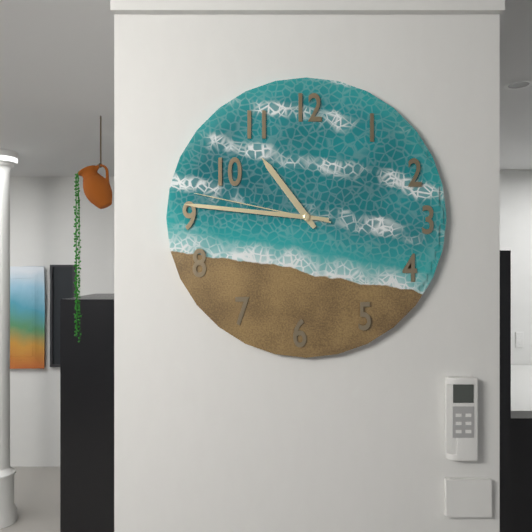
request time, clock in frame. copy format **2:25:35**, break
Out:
**10:46:47**
